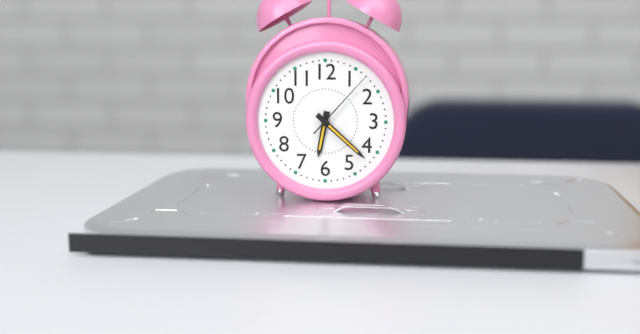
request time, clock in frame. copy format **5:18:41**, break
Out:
**6:22:07**
